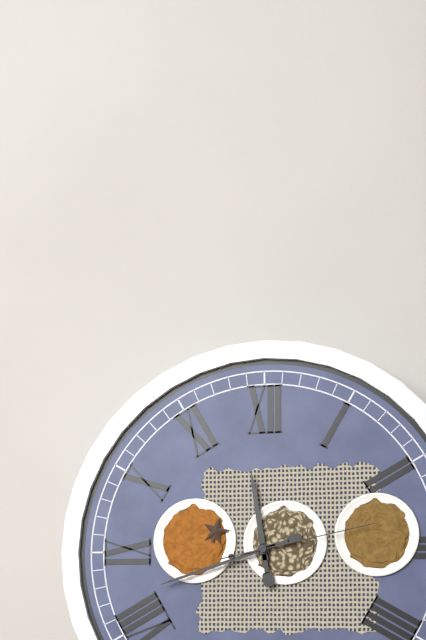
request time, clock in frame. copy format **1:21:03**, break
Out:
**11:42:13**
